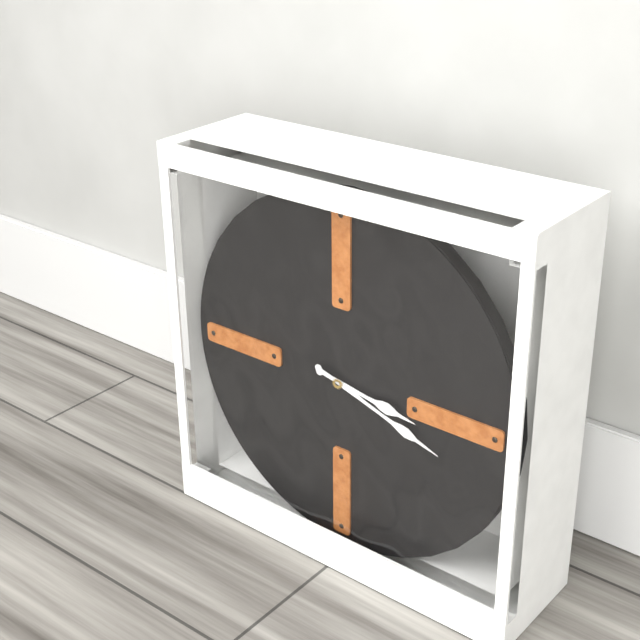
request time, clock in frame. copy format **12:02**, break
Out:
**3:18**
